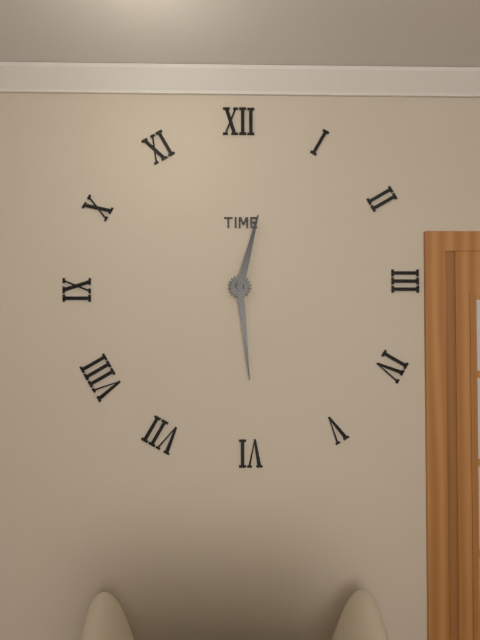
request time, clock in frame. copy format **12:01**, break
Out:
**12:29**
